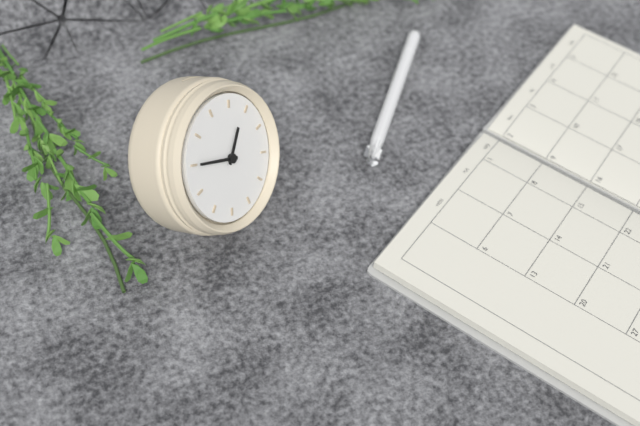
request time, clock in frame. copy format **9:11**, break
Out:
**12:45**
